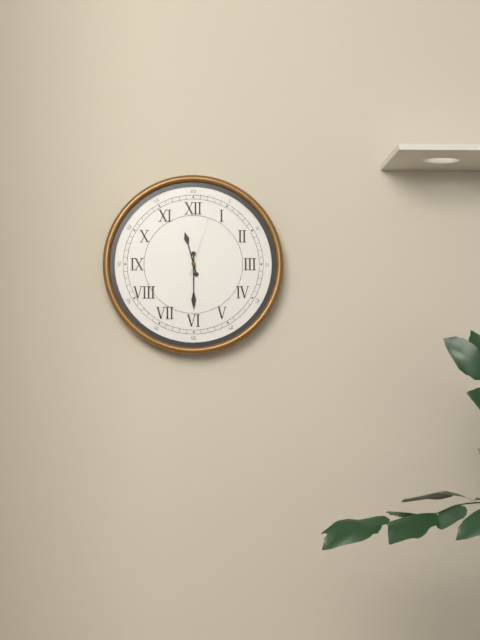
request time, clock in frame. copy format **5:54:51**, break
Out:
**11:30:03**
